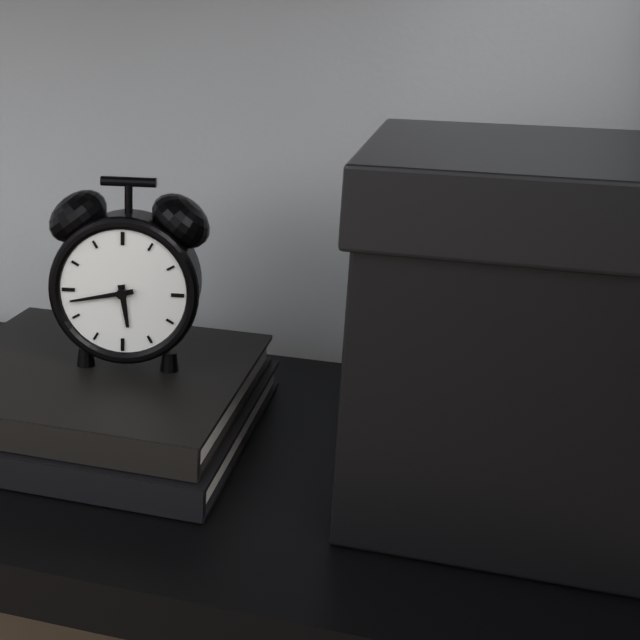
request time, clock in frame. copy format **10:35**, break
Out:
**5:43**
